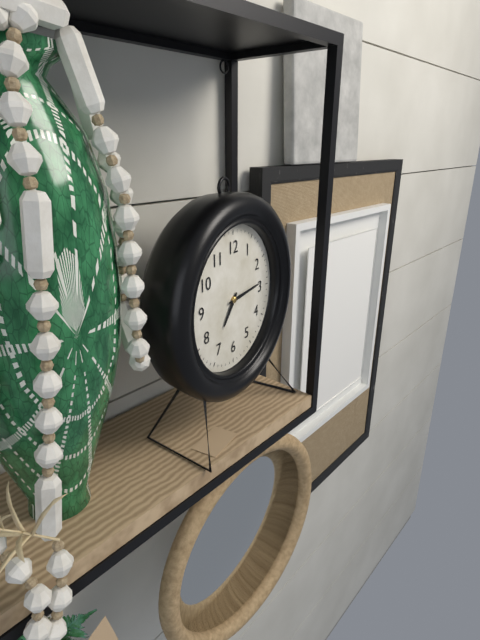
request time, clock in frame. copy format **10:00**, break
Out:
**7:14**
